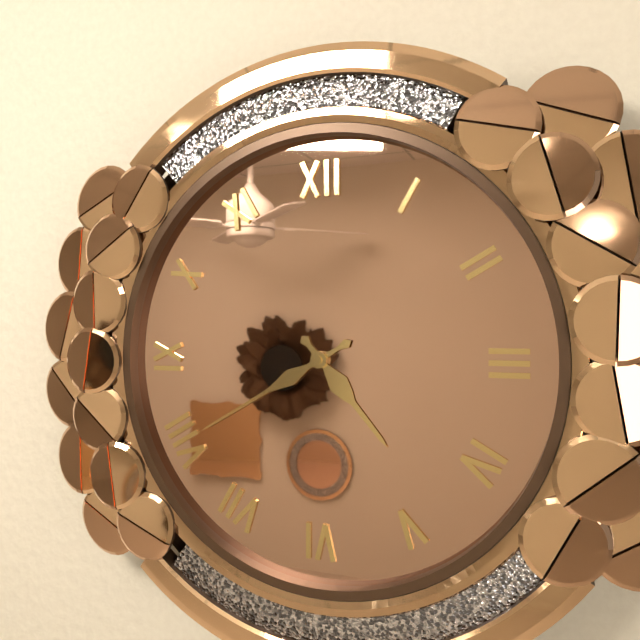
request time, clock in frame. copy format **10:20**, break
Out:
**4:40**
